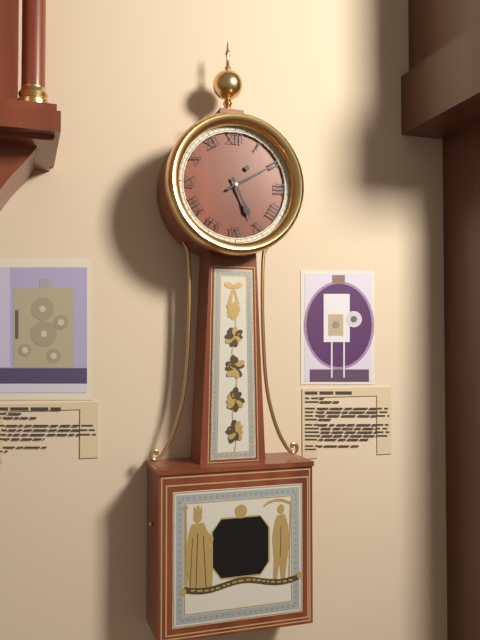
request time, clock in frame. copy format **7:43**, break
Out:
**5:10**
